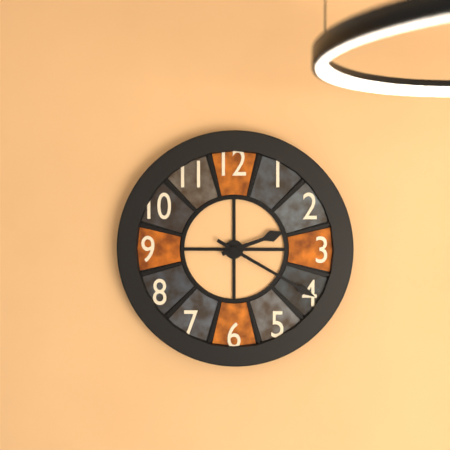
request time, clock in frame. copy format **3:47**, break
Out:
**2:20**
